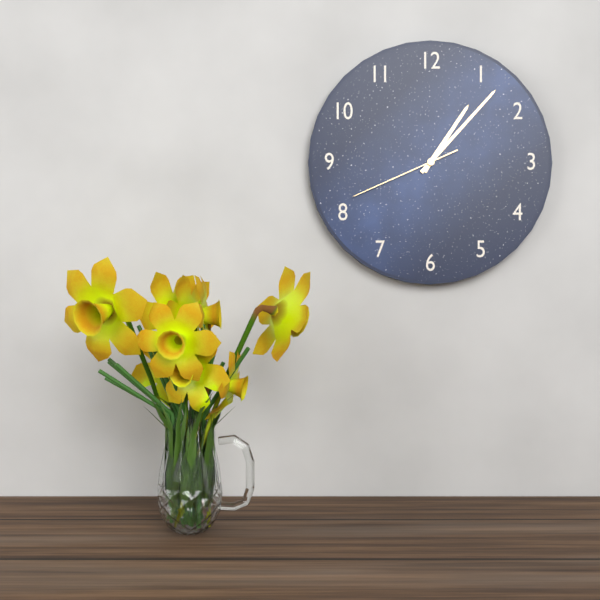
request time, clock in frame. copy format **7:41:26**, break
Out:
**1:07:41**
